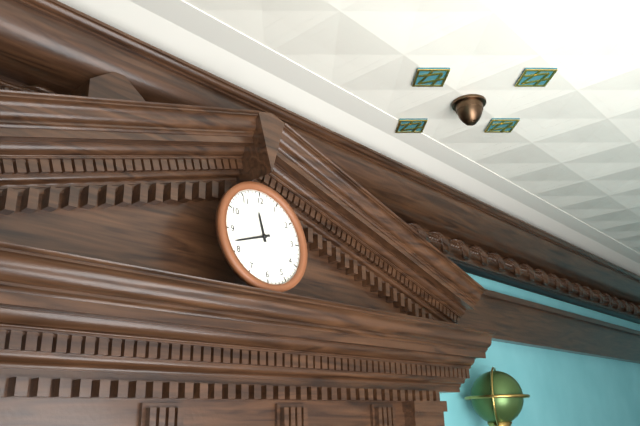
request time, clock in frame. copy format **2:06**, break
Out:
**11:42**
